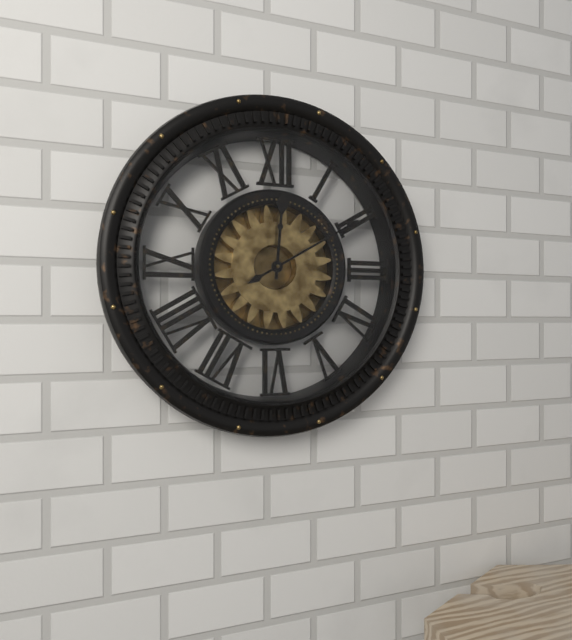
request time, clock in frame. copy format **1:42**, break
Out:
**12:10**
